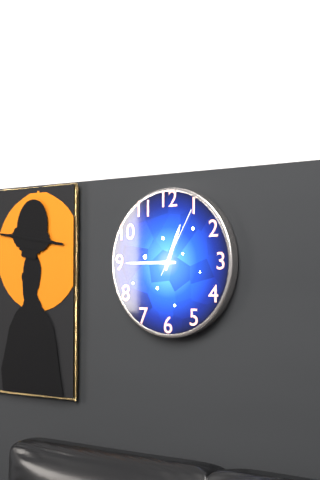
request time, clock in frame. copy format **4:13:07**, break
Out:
**12:45:05**
